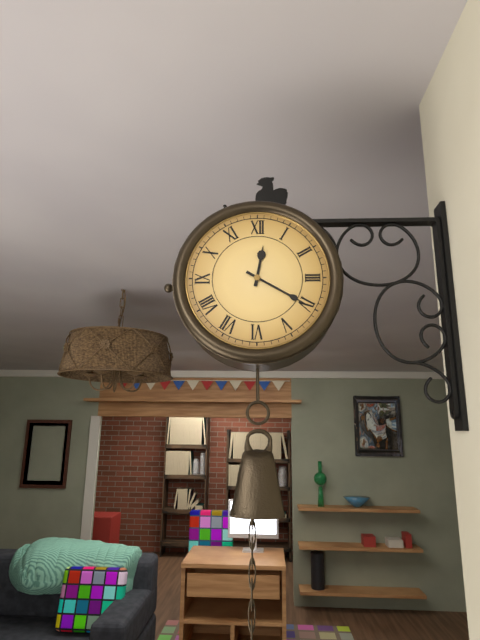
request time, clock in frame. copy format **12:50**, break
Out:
**12:20**
